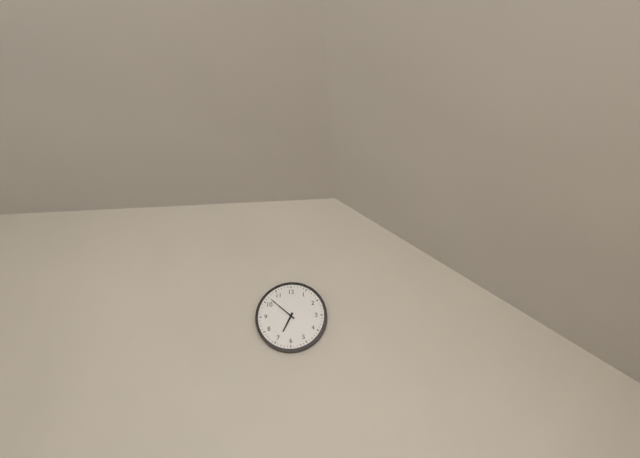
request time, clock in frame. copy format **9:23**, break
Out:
**6:52**
